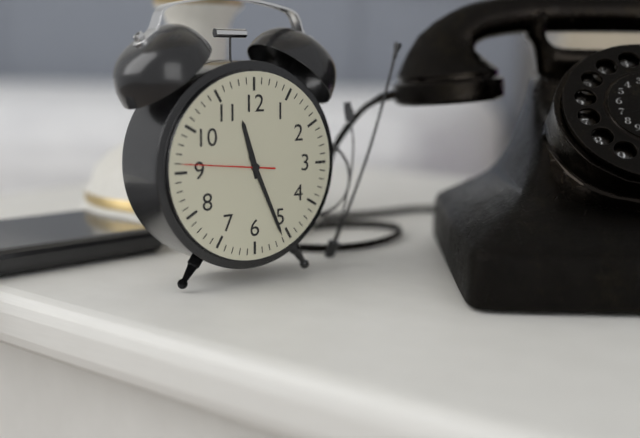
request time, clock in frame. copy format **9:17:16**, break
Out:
**11:26:46**
